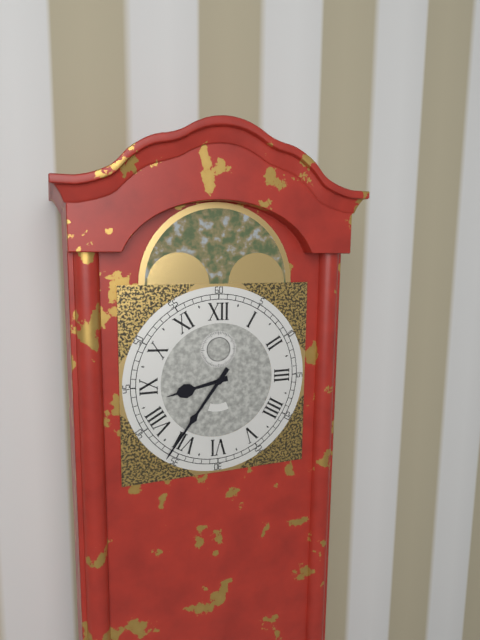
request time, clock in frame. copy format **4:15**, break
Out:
**8:36**
